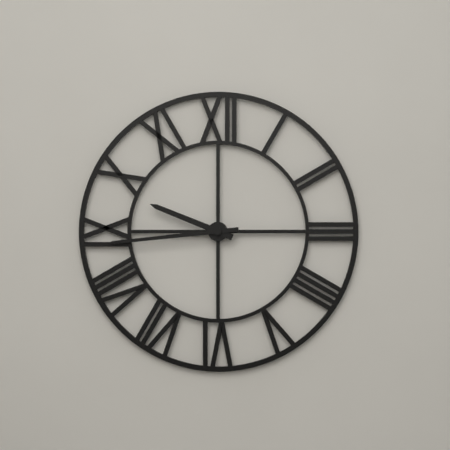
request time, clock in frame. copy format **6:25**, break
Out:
**9:44**
